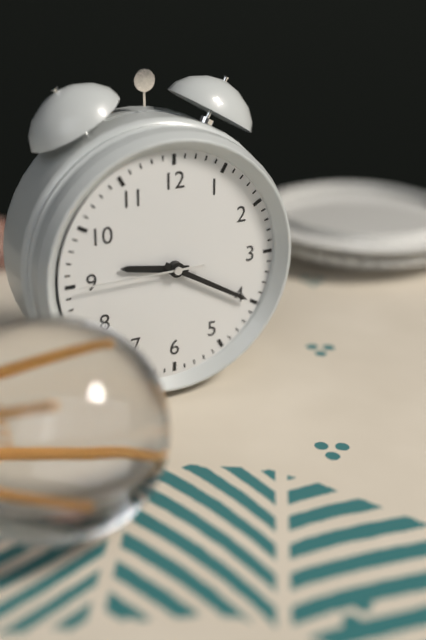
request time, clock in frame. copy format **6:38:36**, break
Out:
**9:20:45**
